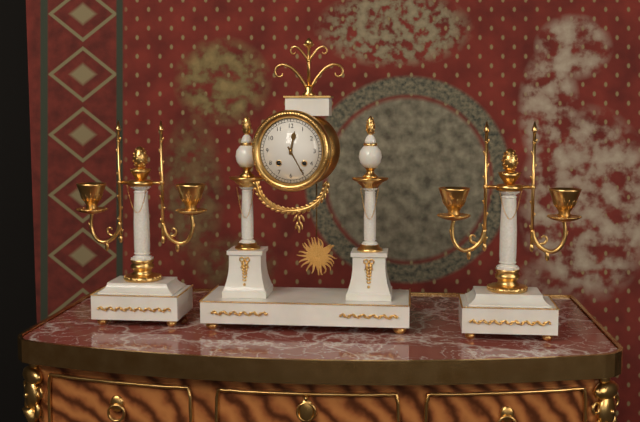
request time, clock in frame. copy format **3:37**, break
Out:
**12:25**
